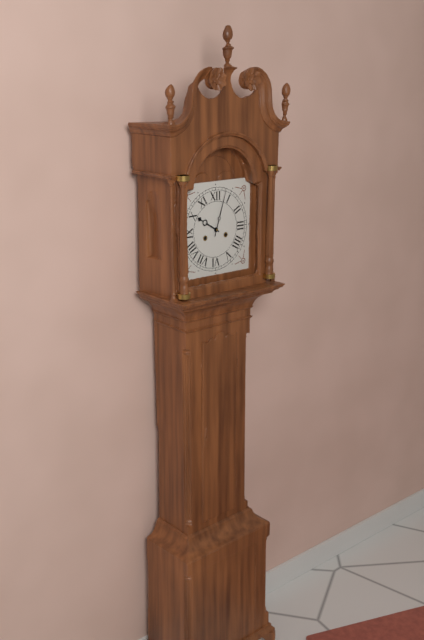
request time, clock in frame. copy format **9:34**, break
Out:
**10:03**
